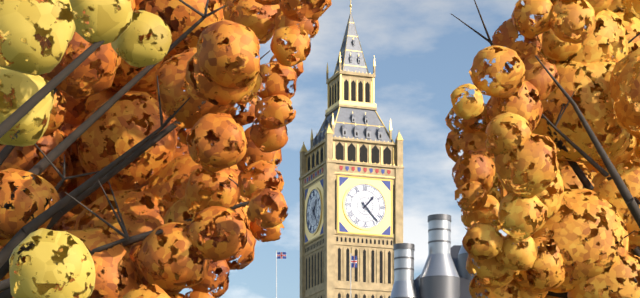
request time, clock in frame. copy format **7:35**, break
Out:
**1:23**
